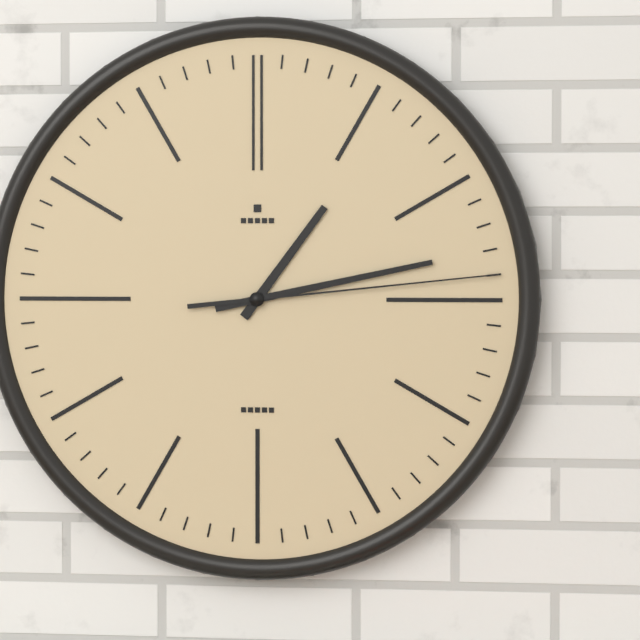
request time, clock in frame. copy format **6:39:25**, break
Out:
**1:13:14**
